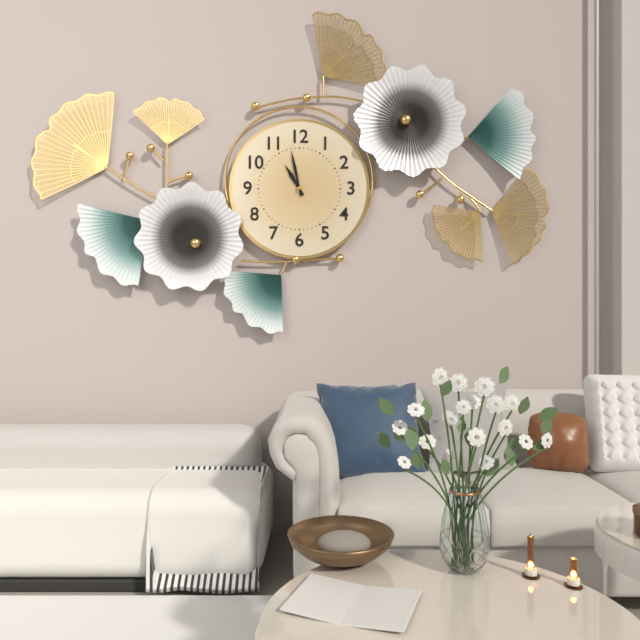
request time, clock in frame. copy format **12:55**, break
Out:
**10:58**
